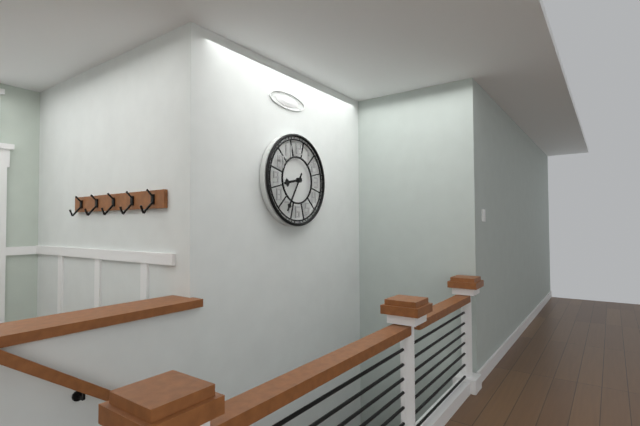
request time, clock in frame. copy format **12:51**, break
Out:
**8:35**
